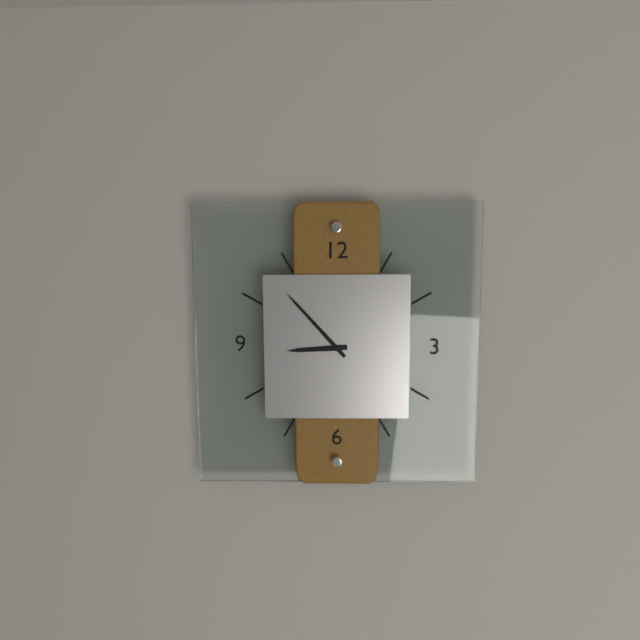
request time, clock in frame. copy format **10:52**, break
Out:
**8:53**
